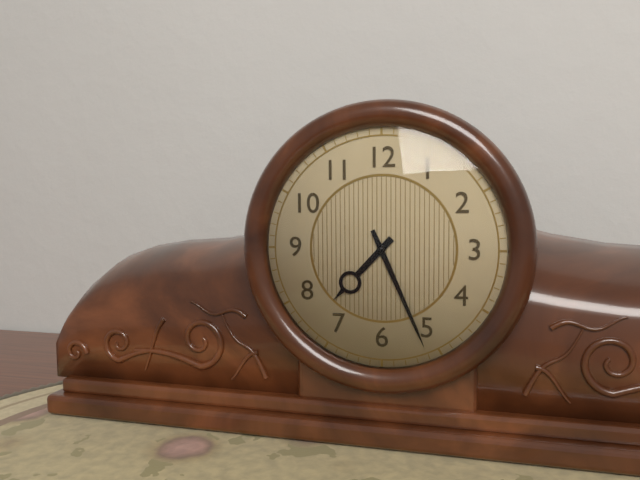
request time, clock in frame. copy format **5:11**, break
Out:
**7:26**
